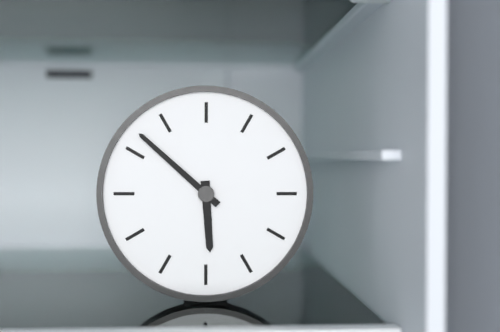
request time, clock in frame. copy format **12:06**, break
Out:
**5:52**
